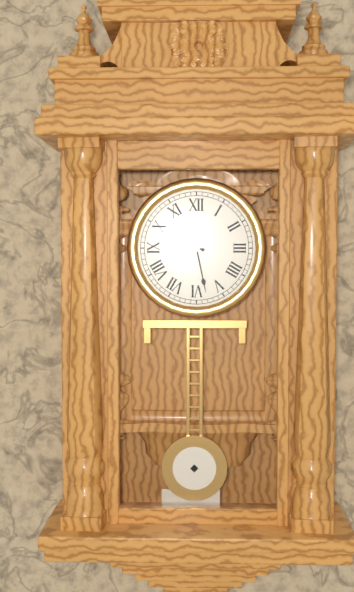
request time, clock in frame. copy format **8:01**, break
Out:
**9:28**
